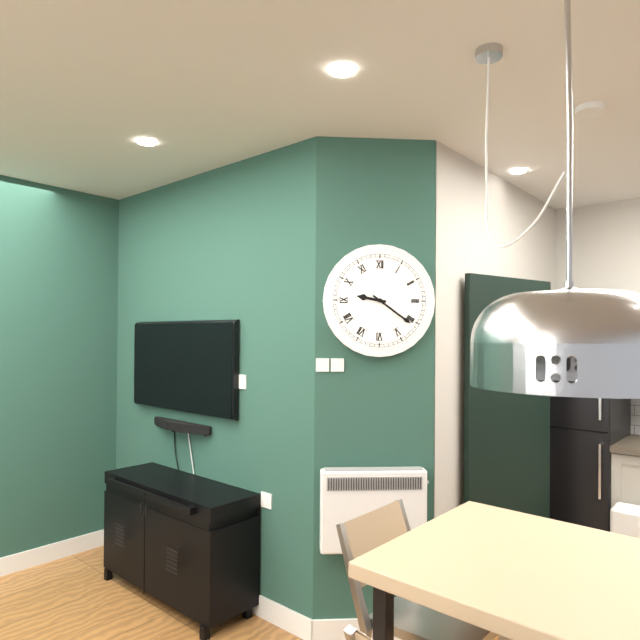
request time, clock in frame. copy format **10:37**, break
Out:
**9:21**
